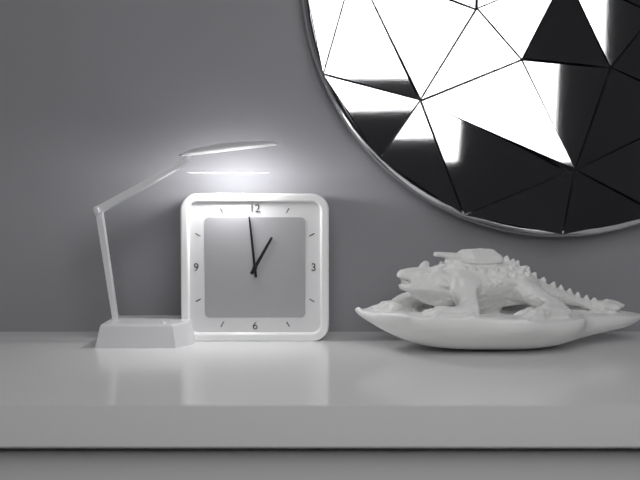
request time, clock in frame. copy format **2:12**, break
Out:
**12:59**
